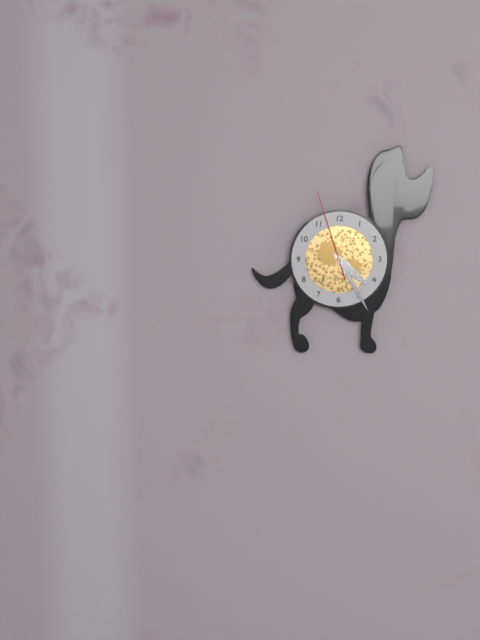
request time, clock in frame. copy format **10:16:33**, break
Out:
**4:25:57**
